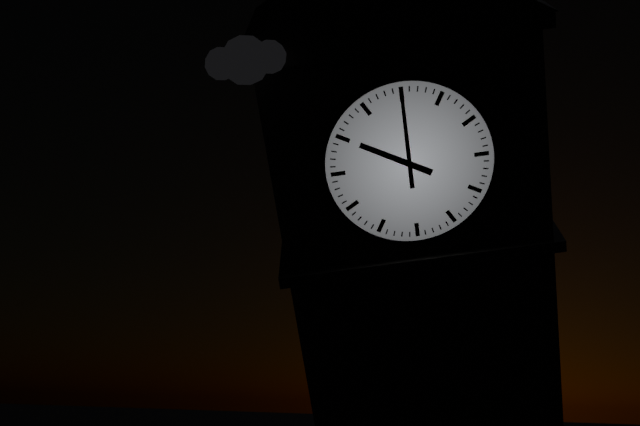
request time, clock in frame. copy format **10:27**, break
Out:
**10:00**
